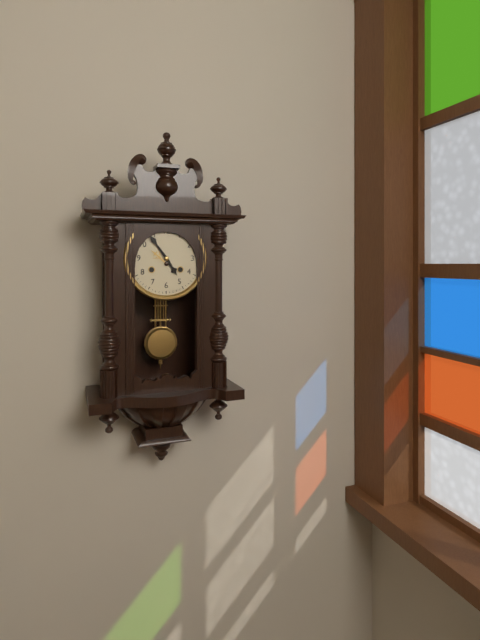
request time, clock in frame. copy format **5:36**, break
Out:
**4:54**
